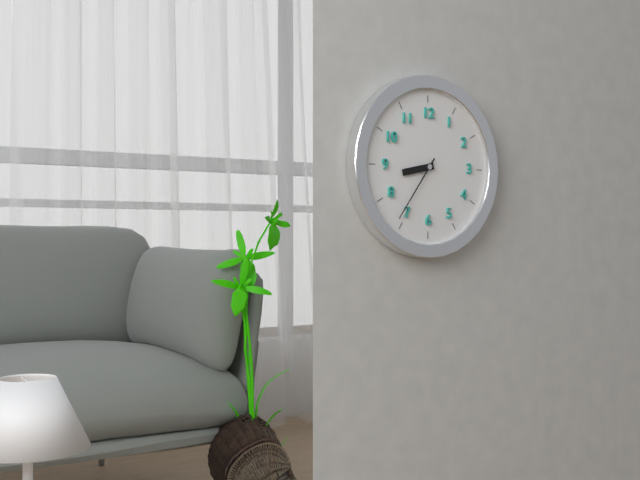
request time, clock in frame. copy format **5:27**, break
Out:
**8:36**
